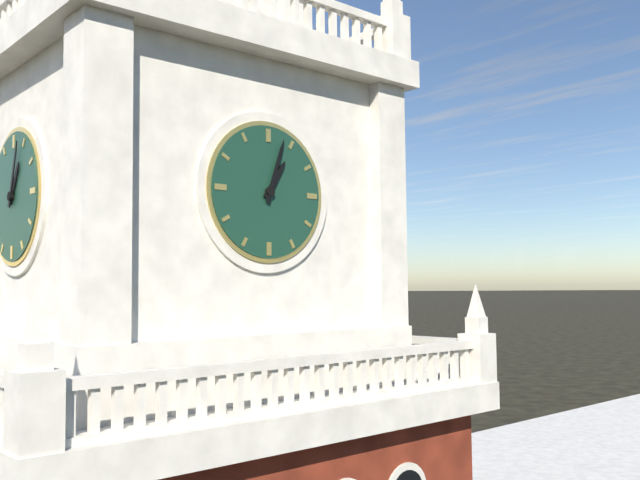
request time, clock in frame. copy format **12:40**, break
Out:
**1:03**
